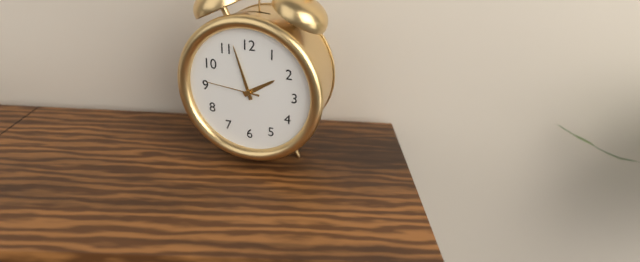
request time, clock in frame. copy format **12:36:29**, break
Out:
**1:57:46**
